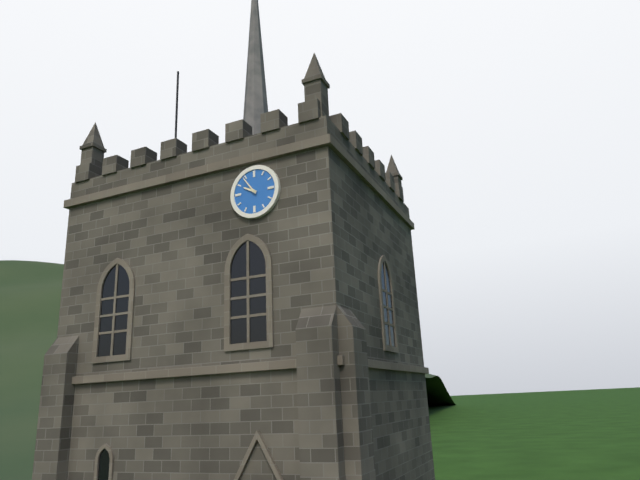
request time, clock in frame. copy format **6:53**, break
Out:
**9:54**
